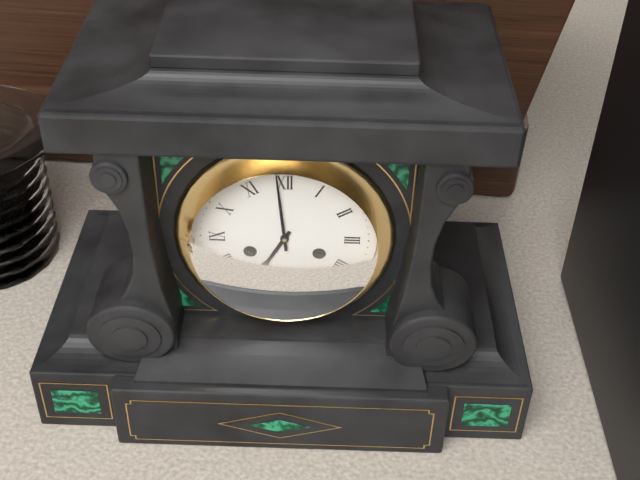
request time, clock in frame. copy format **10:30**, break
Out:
**6:59**
